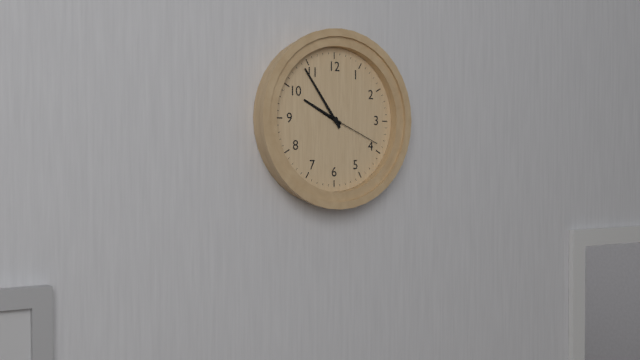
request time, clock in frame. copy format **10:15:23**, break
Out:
**9:54:19**
